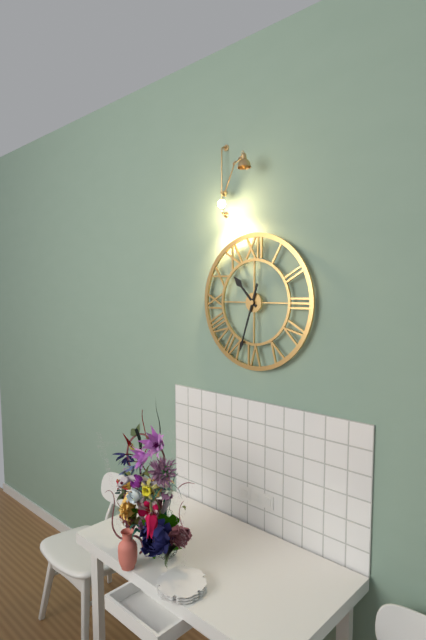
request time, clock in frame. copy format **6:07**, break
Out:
**10:33**
